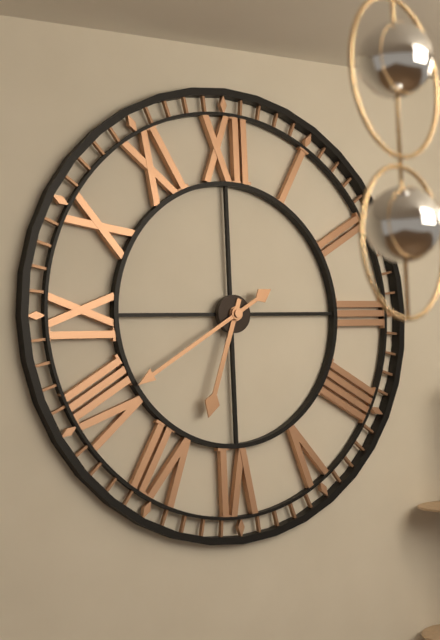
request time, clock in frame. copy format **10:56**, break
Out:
**6:40**
